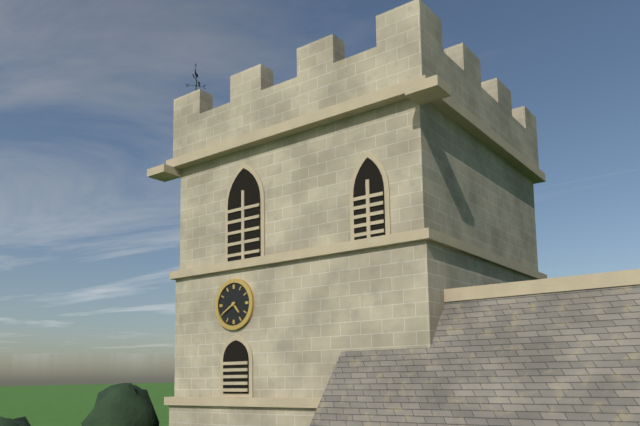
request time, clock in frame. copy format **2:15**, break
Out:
**4:40**
